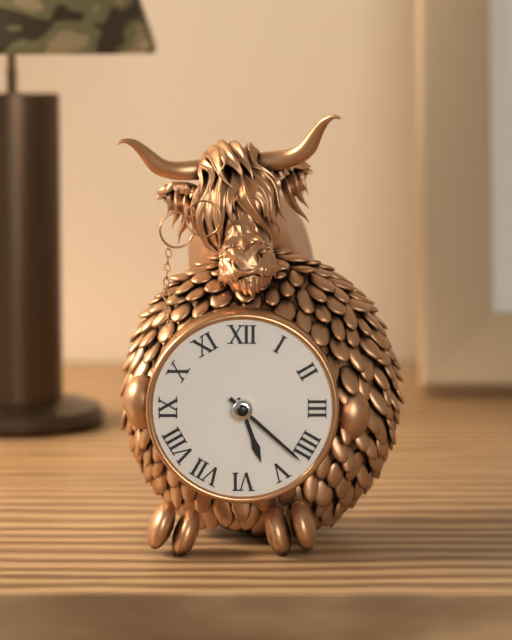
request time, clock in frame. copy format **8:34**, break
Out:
**5:22**
